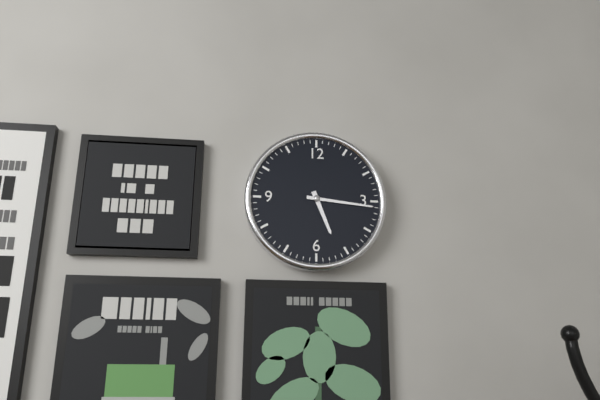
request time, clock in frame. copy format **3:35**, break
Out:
**5:16**
